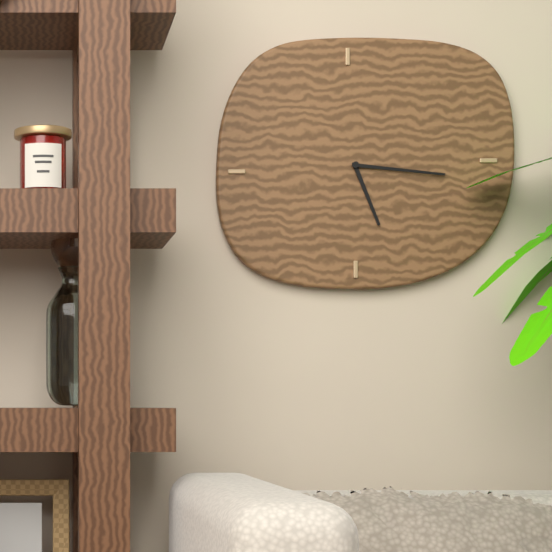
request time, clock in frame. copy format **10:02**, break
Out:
**5:16**
